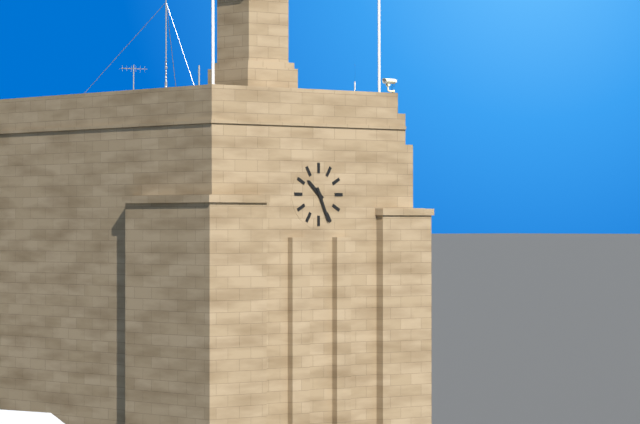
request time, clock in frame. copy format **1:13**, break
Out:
**10:26**
